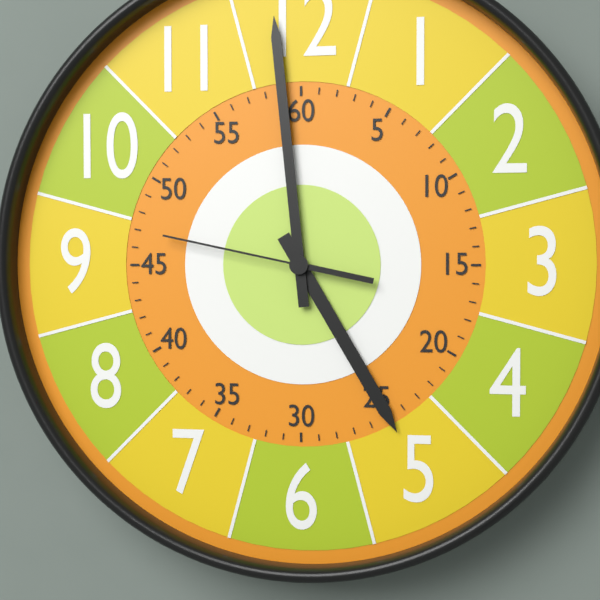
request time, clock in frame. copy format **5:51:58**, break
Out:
**4:59:47**
